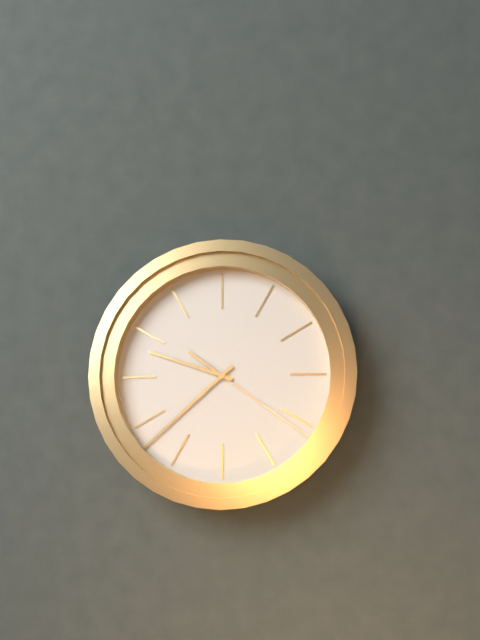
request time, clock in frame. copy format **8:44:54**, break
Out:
**9:38:21**
